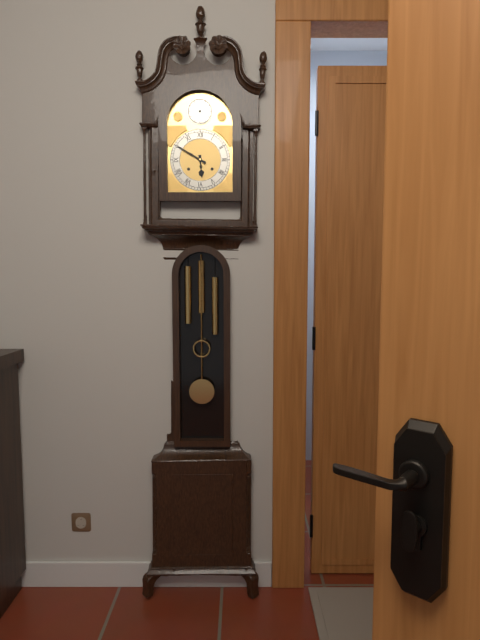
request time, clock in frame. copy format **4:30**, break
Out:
**5:50**
